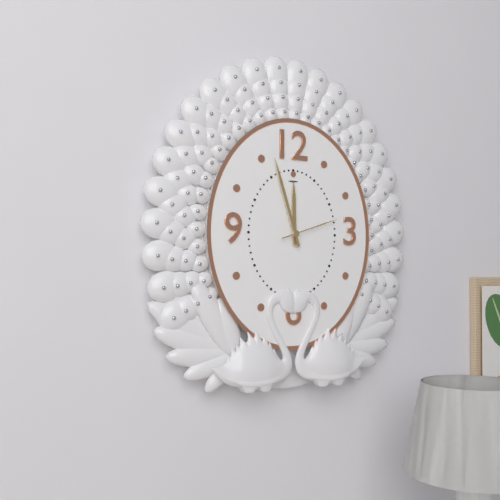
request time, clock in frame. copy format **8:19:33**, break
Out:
**11:57:12**
